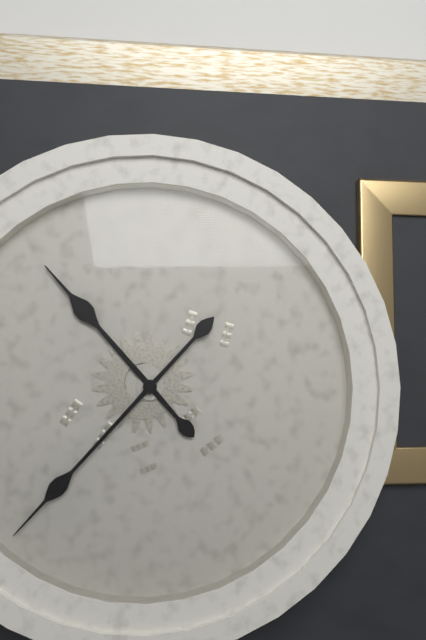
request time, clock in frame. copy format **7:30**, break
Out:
**10:37**
